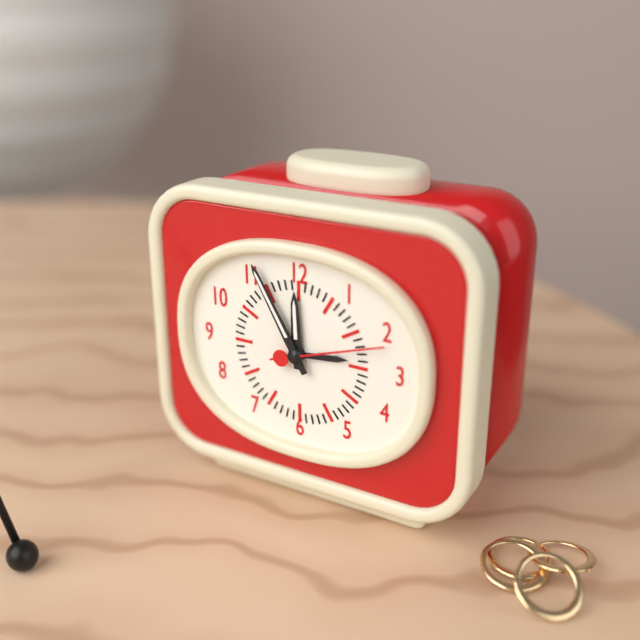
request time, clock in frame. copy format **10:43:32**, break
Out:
**11:55:12**
